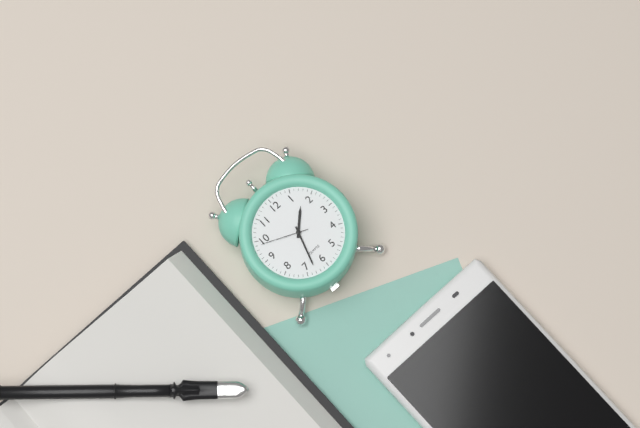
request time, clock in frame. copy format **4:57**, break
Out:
**1:33**
